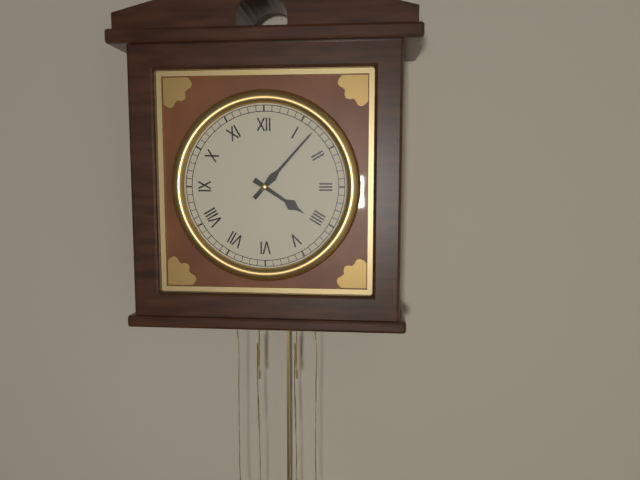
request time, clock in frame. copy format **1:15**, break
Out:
**4:07**
